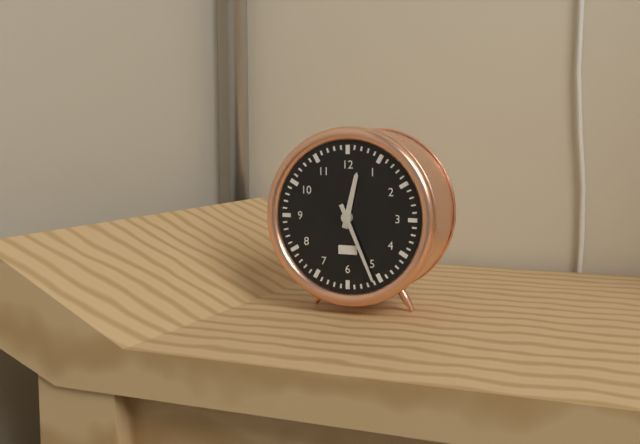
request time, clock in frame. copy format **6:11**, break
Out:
**12:26**
